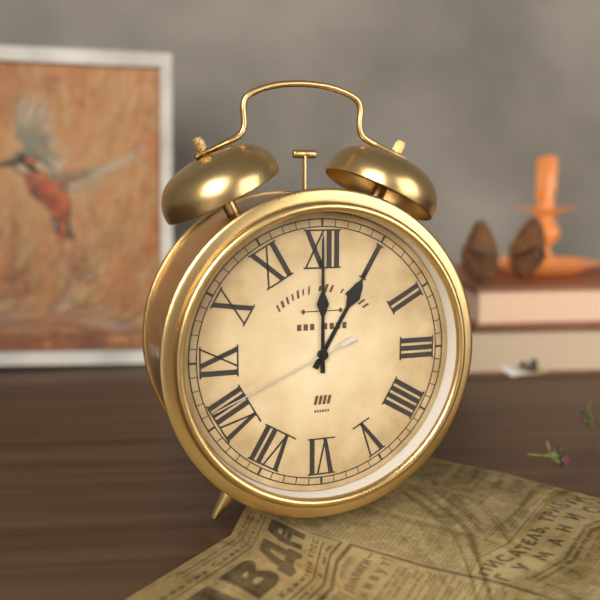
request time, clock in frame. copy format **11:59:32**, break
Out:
**1:00:41**
